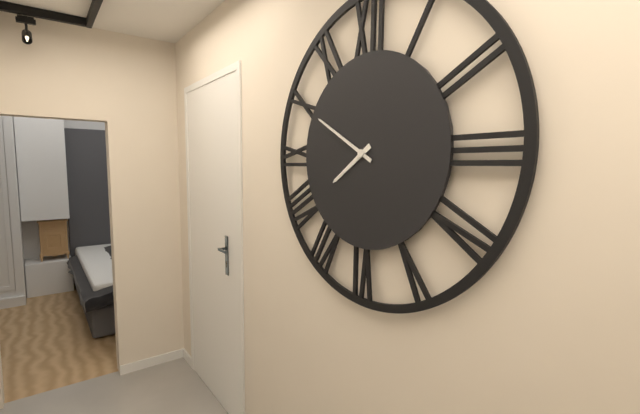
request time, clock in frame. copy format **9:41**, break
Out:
**7:50**
